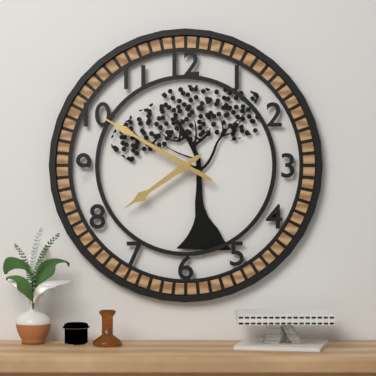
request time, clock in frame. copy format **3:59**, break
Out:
**7:50**
